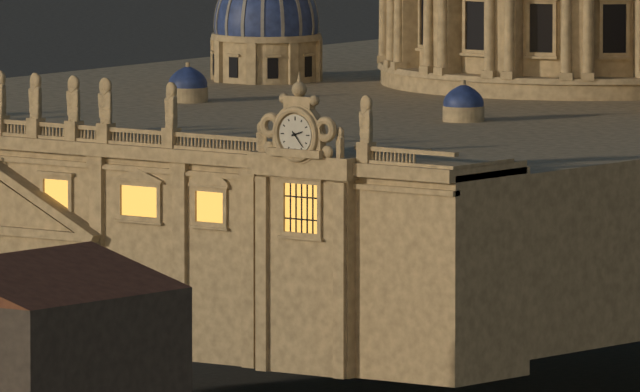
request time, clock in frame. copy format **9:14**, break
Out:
**2:23**
